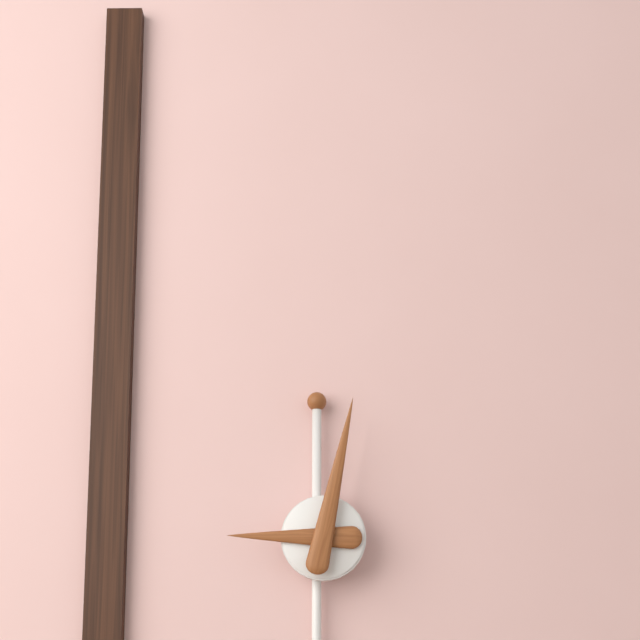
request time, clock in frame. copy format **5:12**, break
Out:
**9:02**
